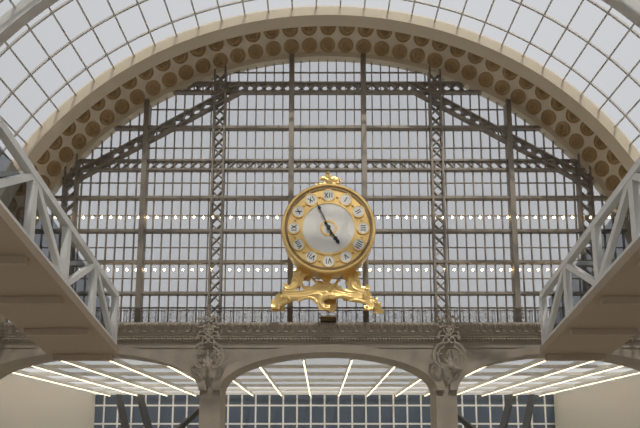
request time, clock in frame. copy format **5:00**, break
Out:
**4:56**
